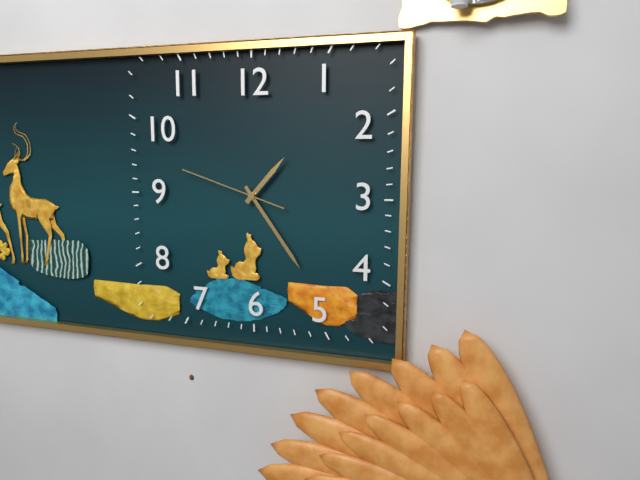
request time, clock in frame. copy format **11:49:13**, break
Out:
**1:24:48**
